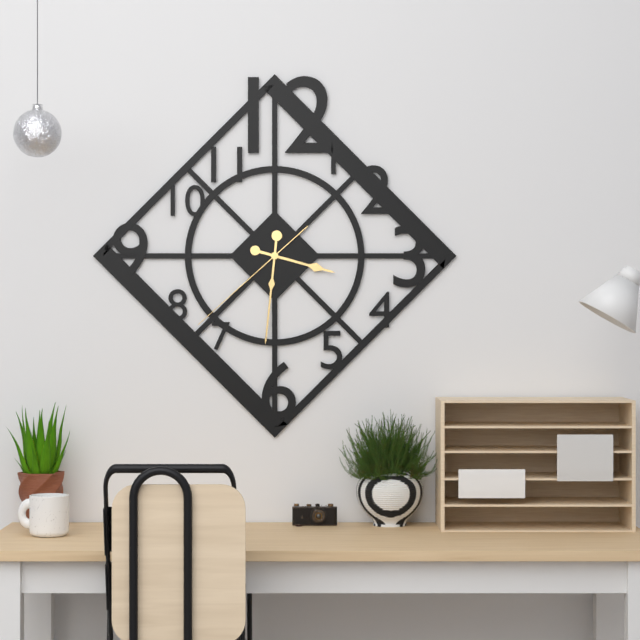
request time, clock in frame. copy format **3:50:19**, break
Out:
**3:31:38**
